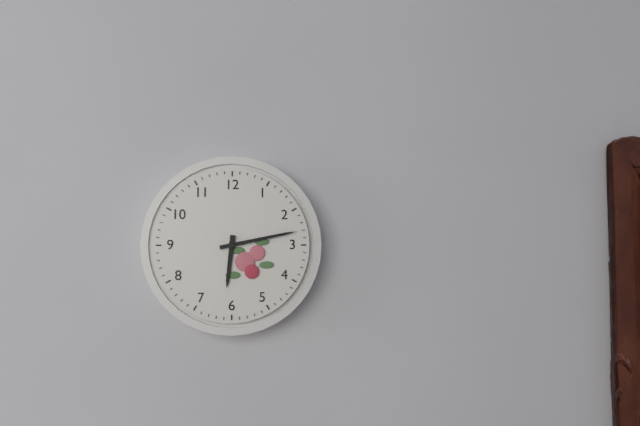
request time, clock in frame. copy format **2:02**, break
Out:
**6:13**
